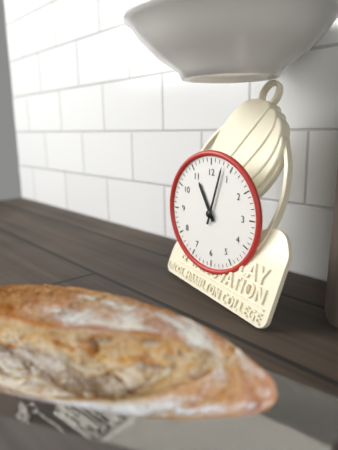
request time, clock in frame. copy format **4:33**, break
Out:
**11:03**
